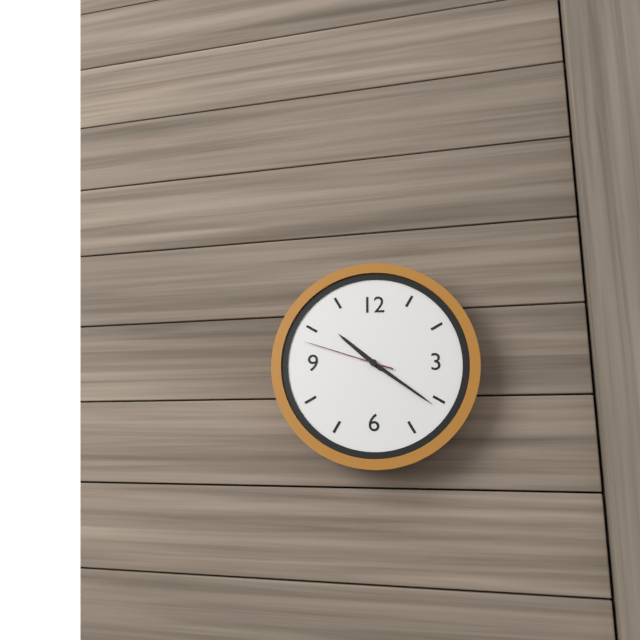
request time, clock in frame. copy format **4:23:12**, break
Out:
**10:21:48**
